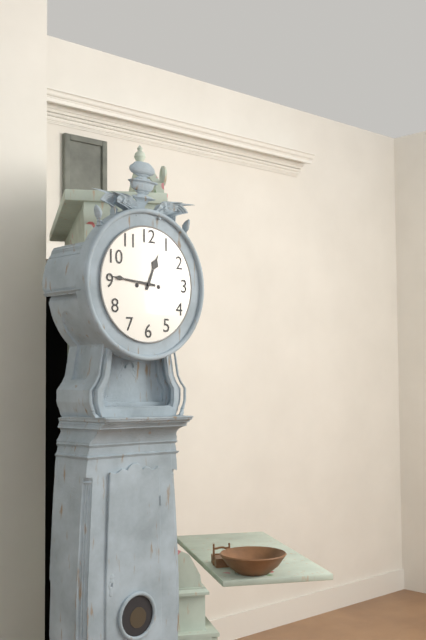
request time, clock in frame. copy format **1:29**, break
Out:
**12:46**
